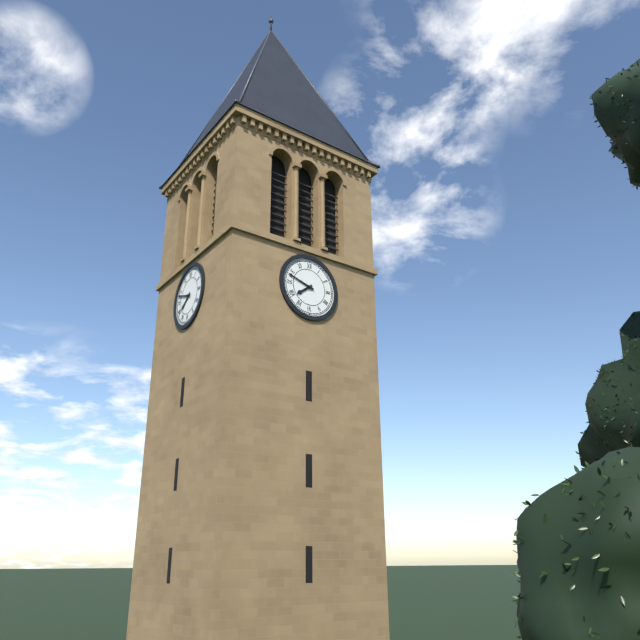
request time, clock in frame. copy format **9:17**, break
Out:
**7:48**
